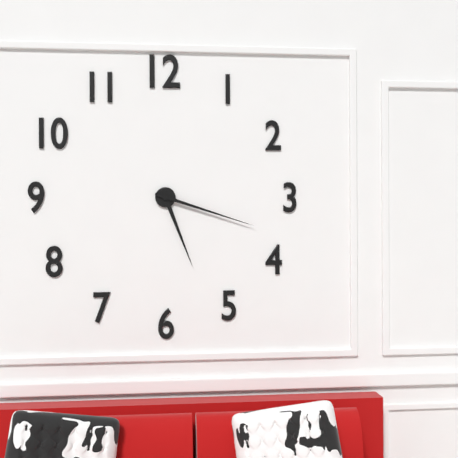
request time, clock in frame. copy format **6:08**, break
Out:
**5:18**
